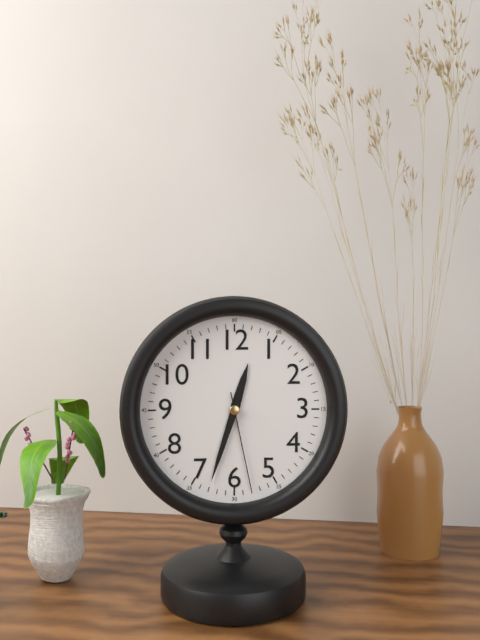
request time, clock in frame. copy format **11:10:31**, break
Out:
**12:33:28**
